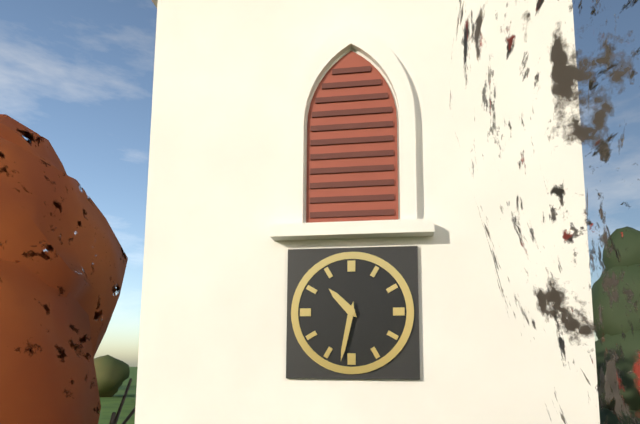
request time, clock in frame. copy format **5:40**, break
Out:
**10:32**
